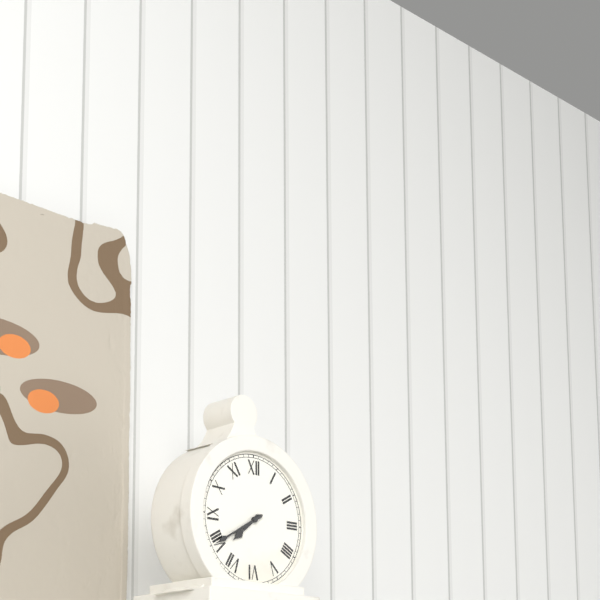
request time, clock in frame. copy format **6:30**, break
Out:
**7:40**
